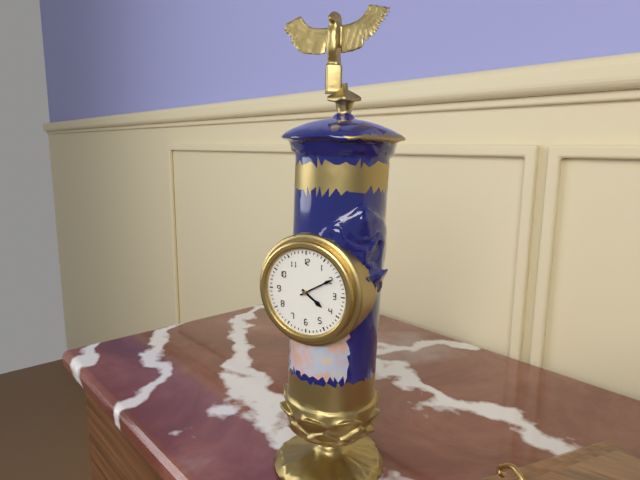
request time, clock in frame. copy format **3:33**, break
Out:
**4:10**
